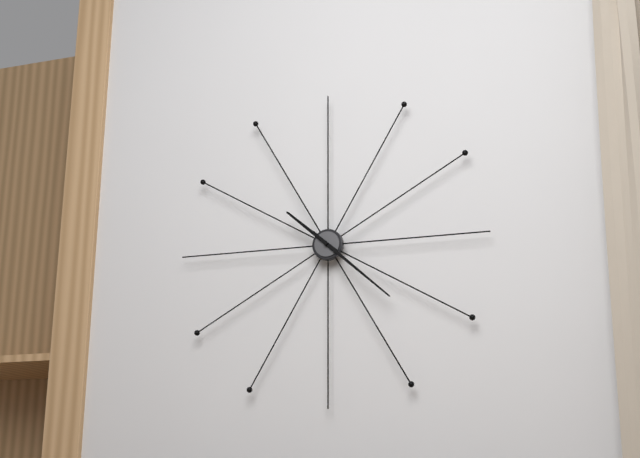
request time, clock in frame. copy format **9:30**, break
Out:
**10:22**
